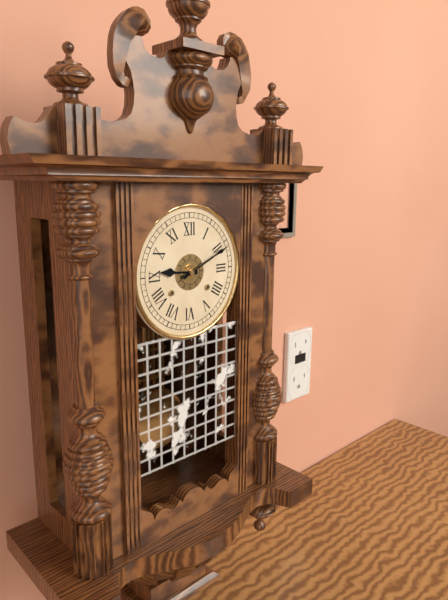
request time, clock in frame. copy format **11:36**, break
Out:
**9:11**
